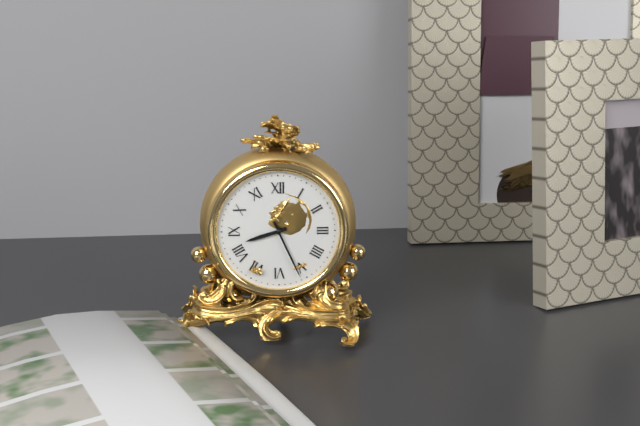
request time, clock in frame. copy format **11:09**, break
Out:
**8:26**
